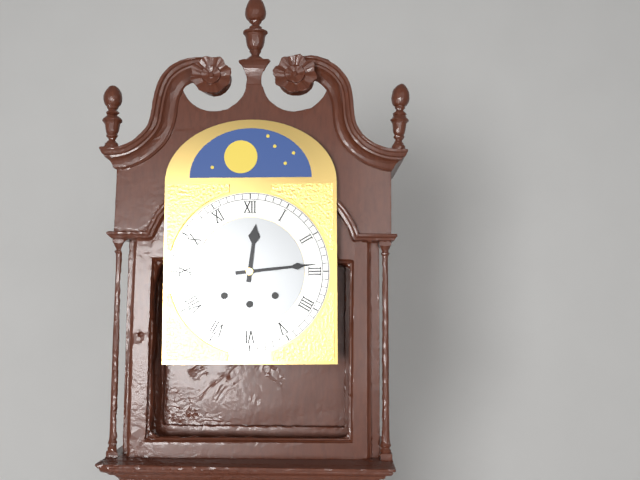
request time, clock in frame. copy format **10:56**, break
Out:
**12:14**
